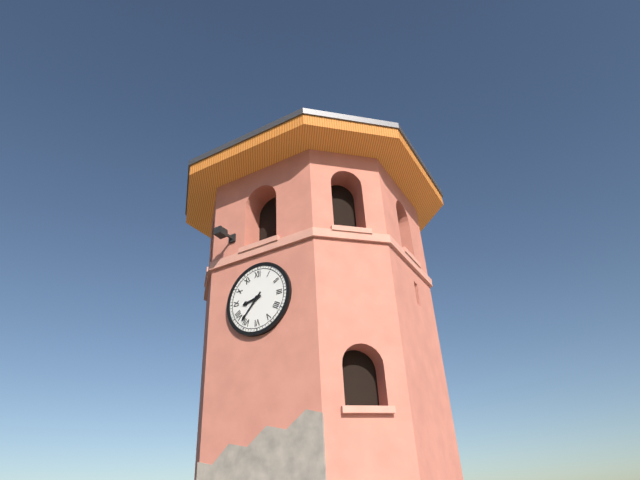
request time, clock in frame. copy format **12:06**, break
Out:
**8:37**
